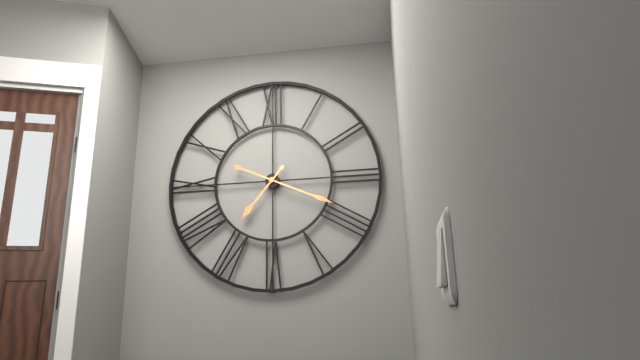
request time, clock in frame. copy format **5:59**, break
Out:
**7:19**
